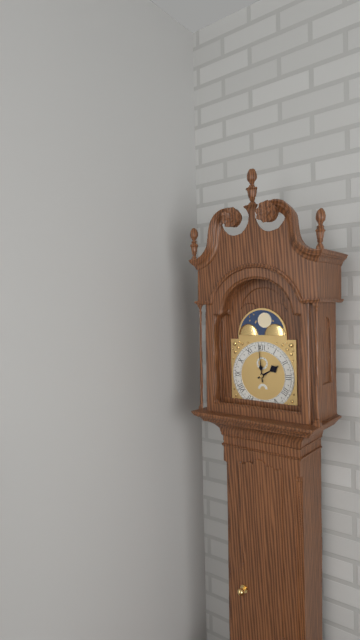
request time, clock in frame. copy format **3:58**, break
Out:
**1:59**
